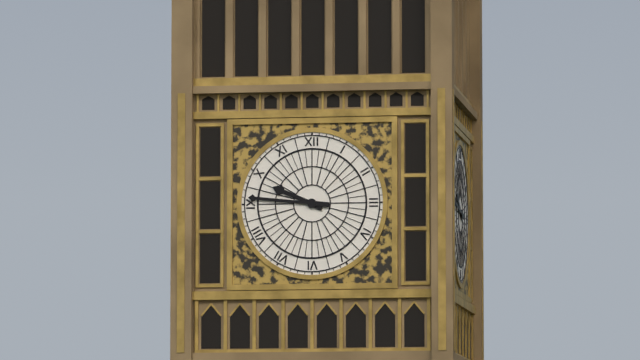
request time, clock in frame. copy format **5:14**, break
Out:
**9:46**
